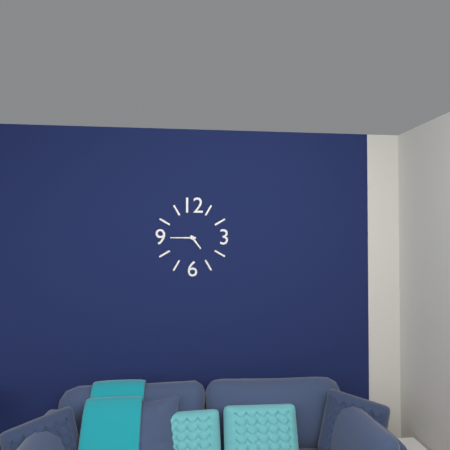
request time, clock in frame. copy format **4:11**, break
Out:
**4:45**
